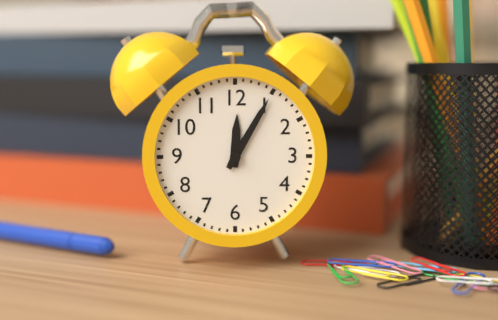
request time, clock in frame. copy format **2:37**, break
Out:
**12:05**
